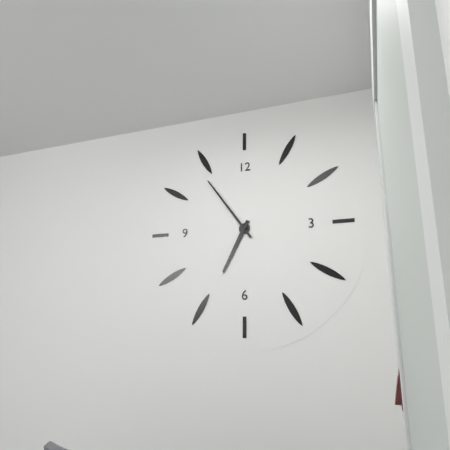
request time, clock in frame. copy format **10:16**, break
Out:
**6:54**
